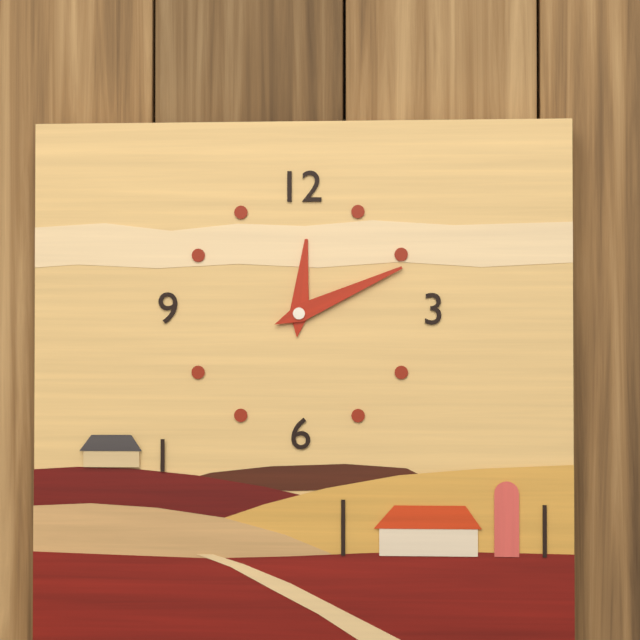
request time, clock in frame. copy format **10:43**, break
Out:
**12:11**
